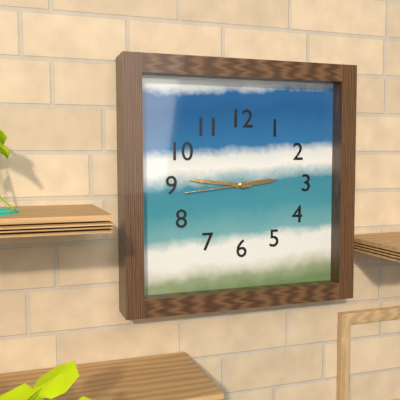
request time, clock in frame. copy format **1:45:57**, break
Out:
**2:46:44**
